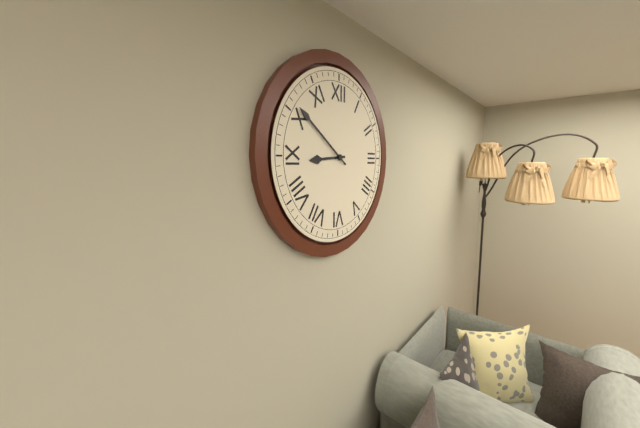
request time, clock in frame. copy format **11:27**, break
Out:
**8:51**
